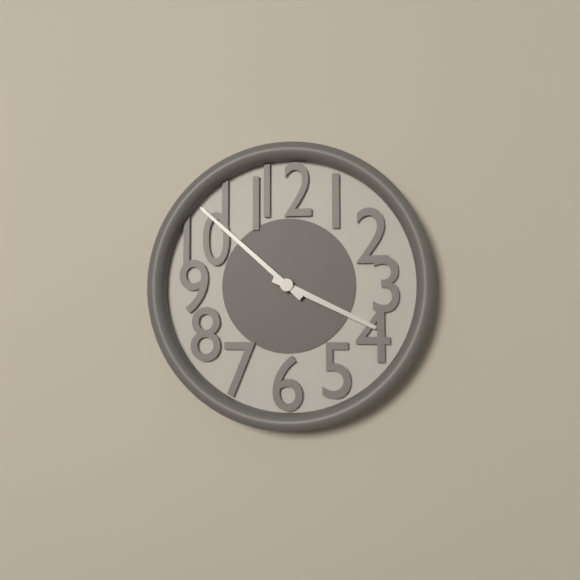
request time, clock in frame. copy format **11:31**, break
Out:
**3:52**
